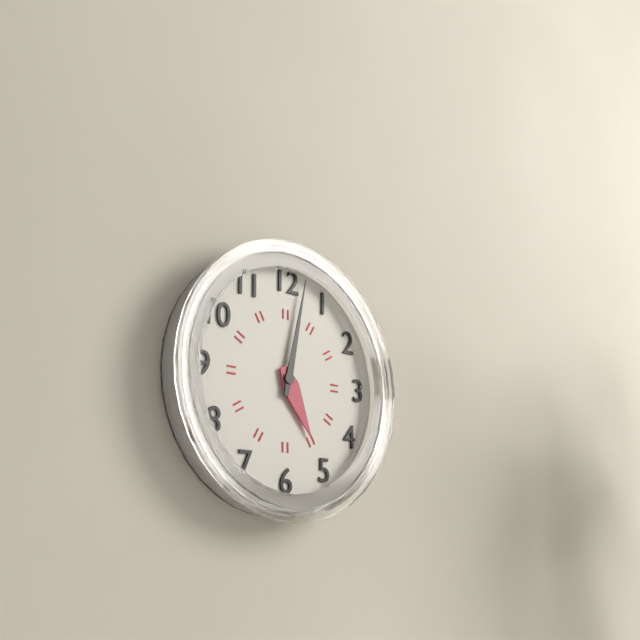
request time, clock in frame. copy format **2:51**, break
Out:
**5:02**
